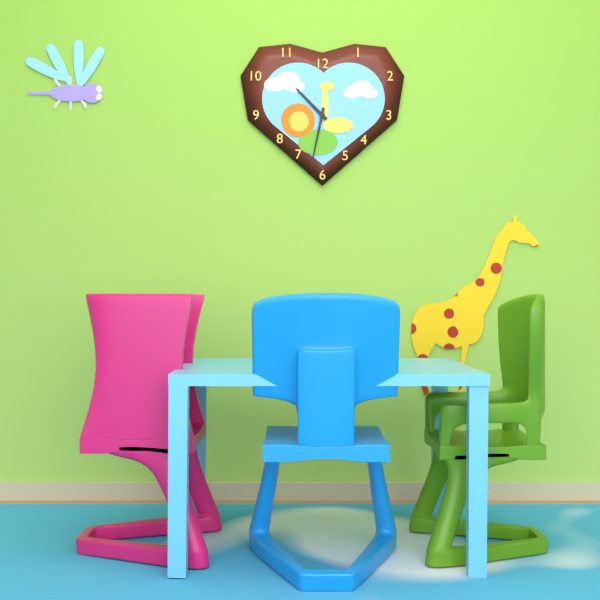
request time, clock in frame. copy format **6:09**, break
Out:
**10:32**
